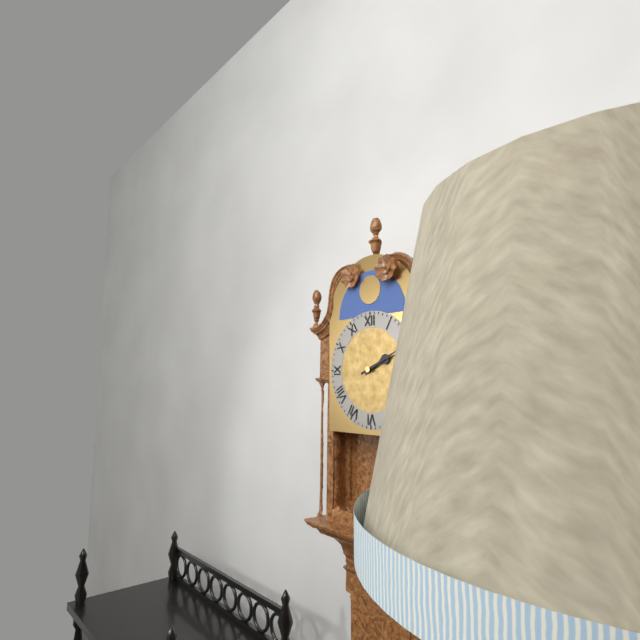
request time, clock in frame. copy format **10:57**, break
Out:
**2:11**
